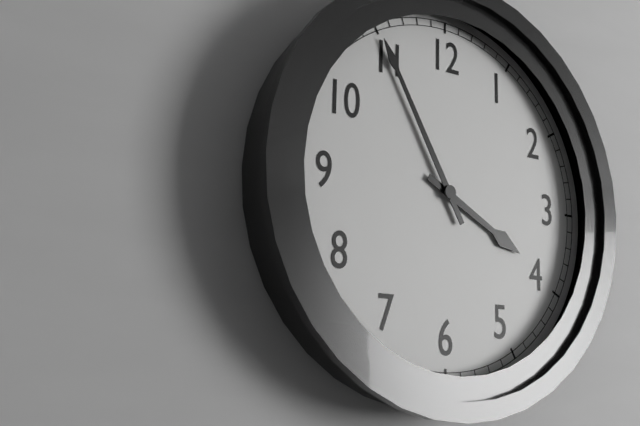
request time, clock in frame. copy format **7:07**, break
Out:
**3:55**
